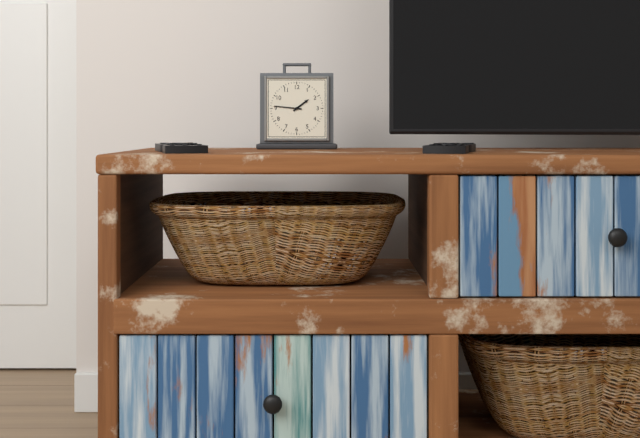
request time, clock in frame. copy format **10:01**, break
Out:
**1:46**
